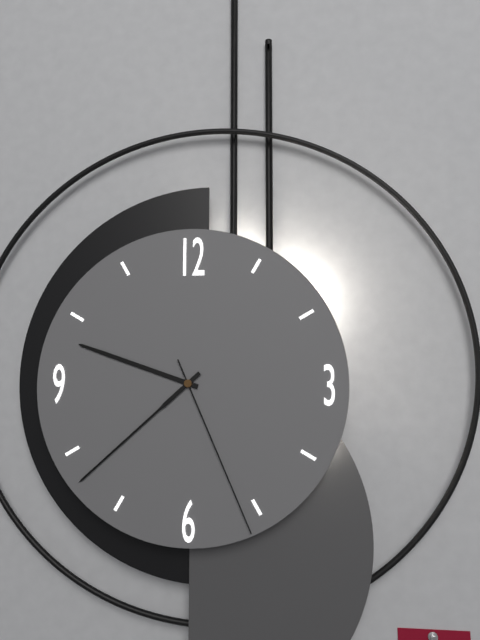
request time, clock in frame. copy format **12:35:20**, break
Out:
**9:38:26**
